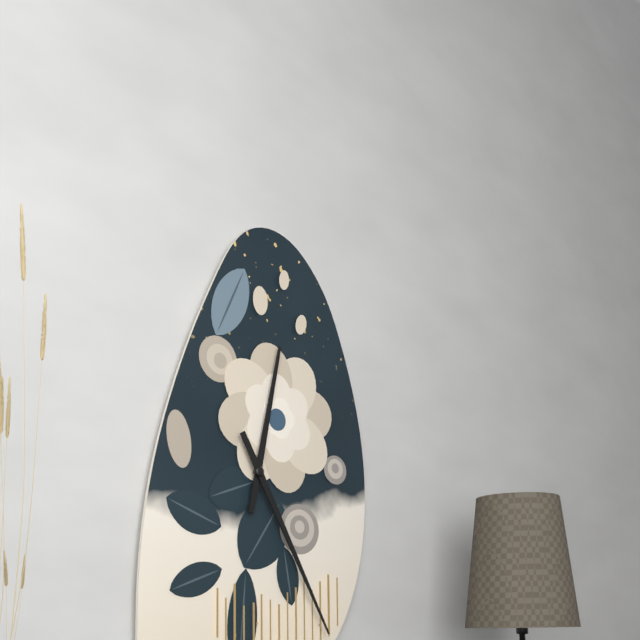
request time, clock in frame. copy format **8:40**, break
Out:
**12:25**
